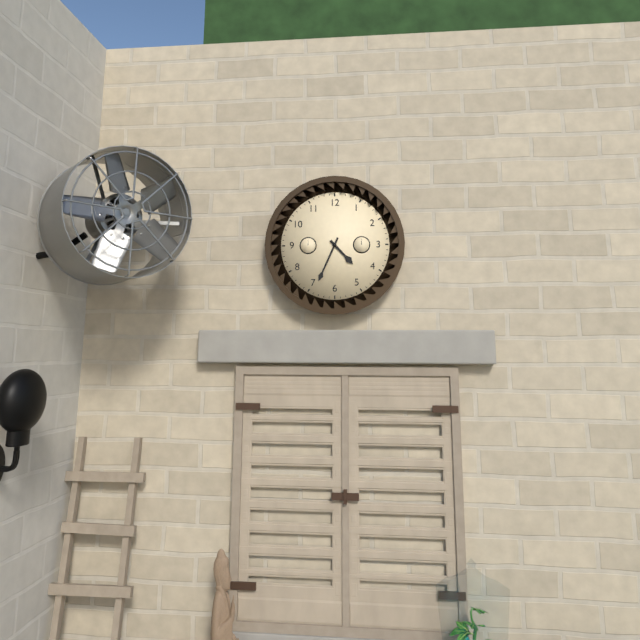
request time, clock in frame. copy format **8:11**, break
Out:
**4:34**
